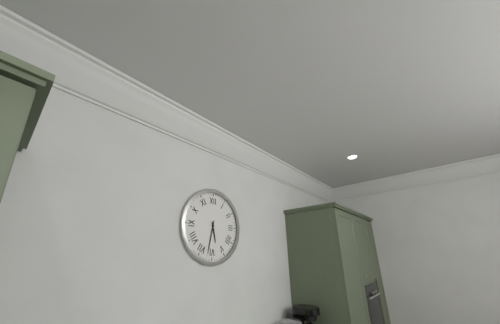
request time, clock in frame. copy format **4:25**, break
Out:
**5:32**
